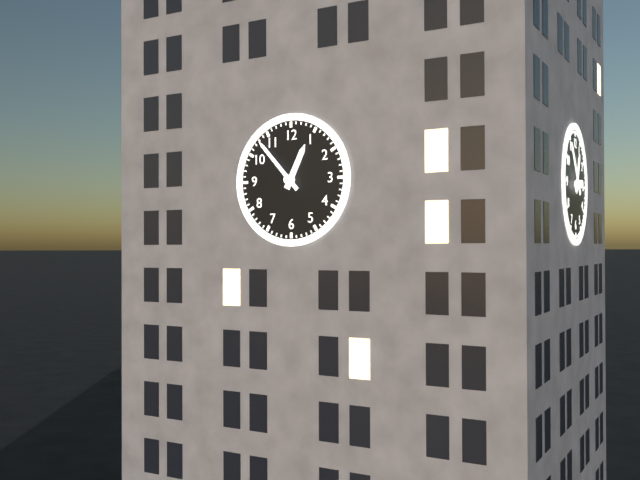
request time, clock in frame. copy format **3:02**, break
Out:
**12:53**
